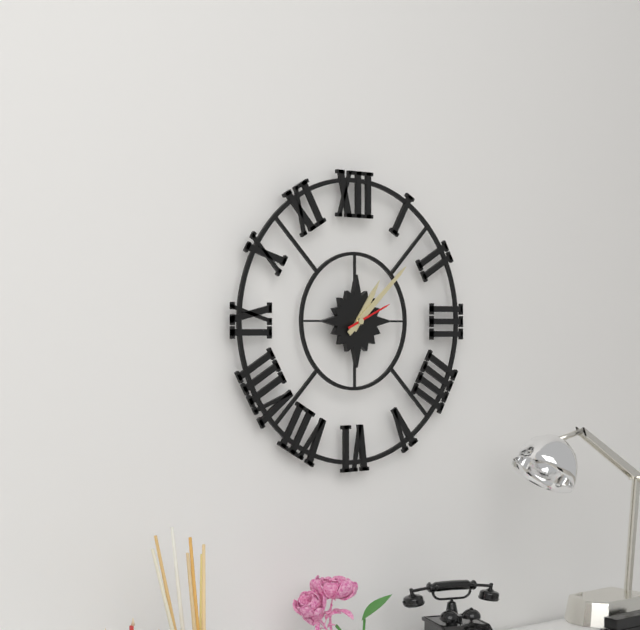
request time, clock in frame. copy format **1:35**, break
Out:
**1:08**
